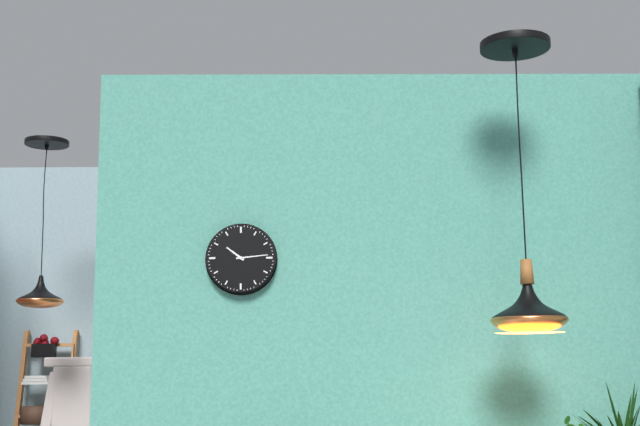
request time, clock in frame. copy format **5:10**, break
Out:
**10:14**
